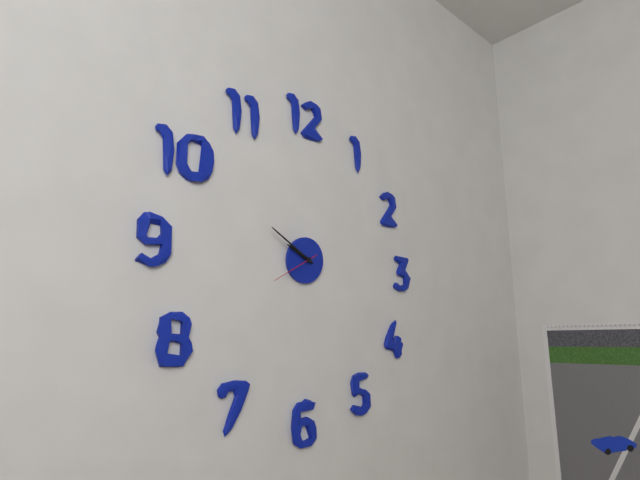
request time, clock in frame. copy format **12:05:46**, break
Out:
**9:50:40**
